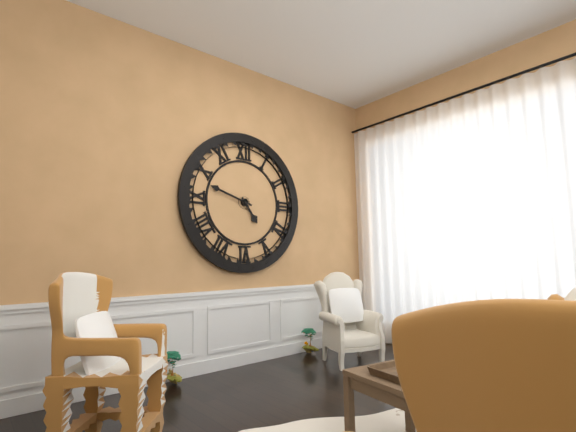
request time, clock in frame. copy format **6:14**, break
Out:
**4:48**
